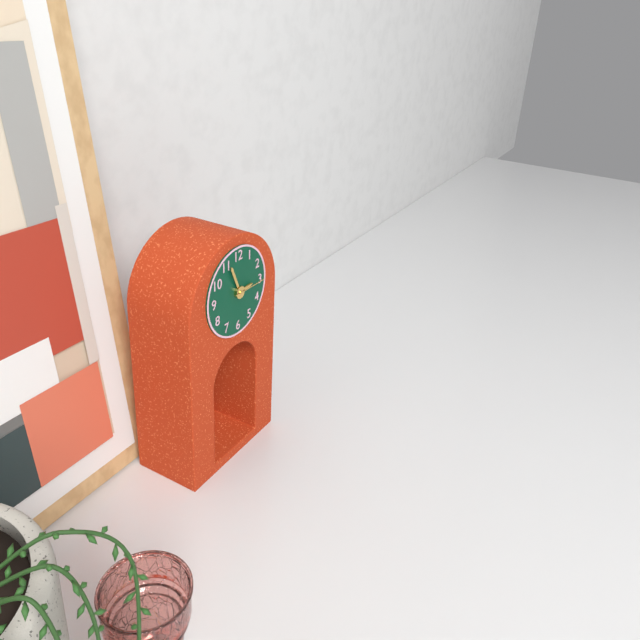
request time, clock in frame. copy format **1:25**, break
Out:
**2:56**
